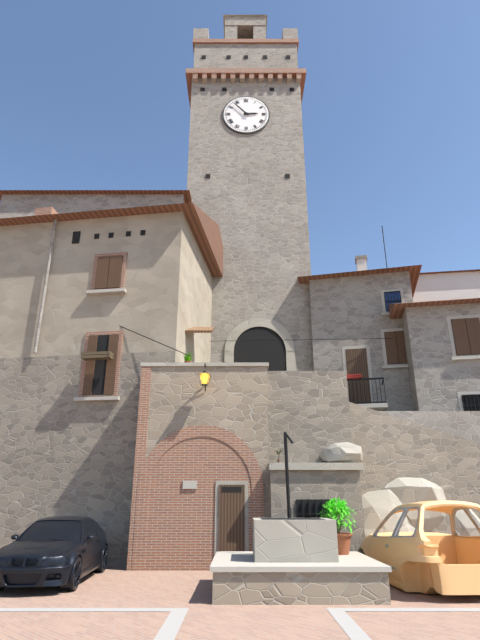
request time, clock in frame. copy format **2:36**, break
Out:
**2:53**
